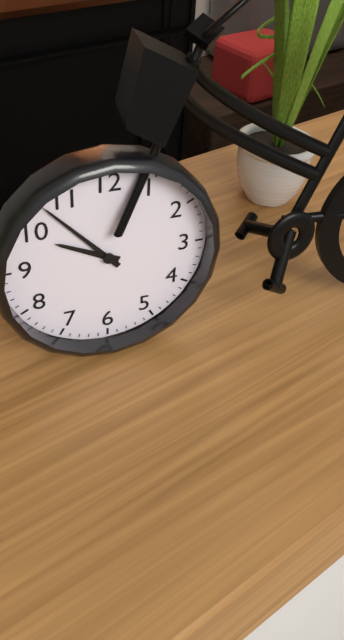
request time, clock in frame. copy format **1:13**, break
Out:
**9:53**
